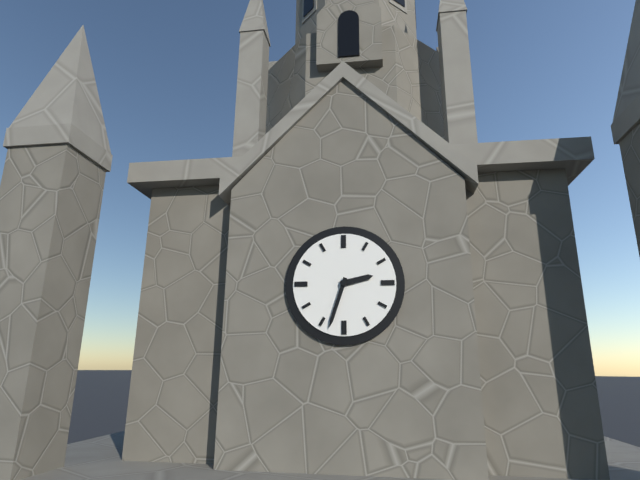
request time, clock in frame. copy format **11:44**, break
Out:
**2:33**
